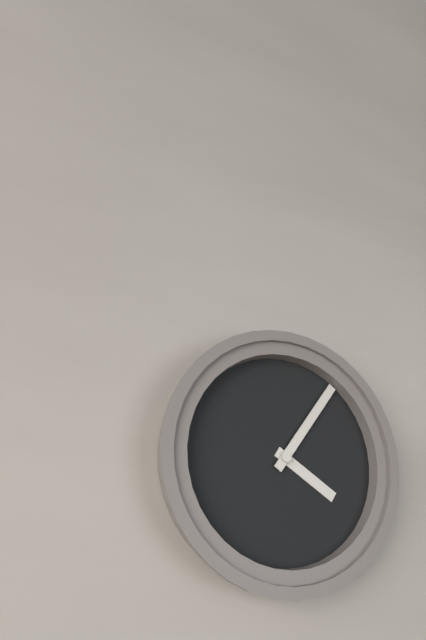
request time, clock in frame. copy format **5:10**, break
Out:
**4:06**
